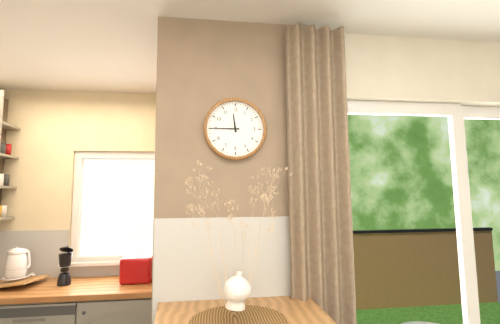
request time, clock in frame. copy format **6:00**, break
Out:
**11:45**
